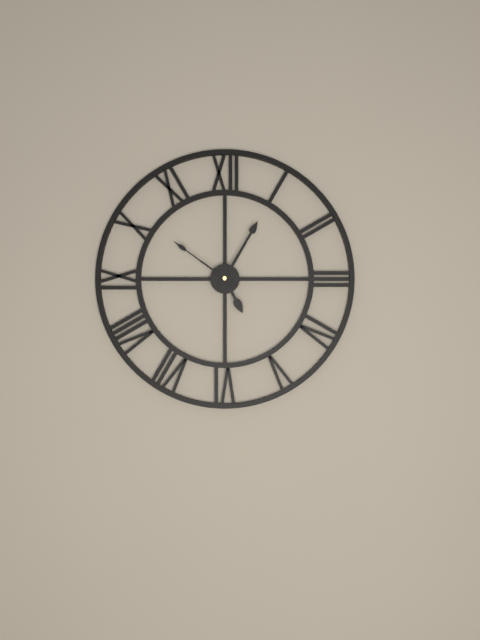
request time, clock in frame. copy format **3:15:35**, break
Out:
**5:05:51**
